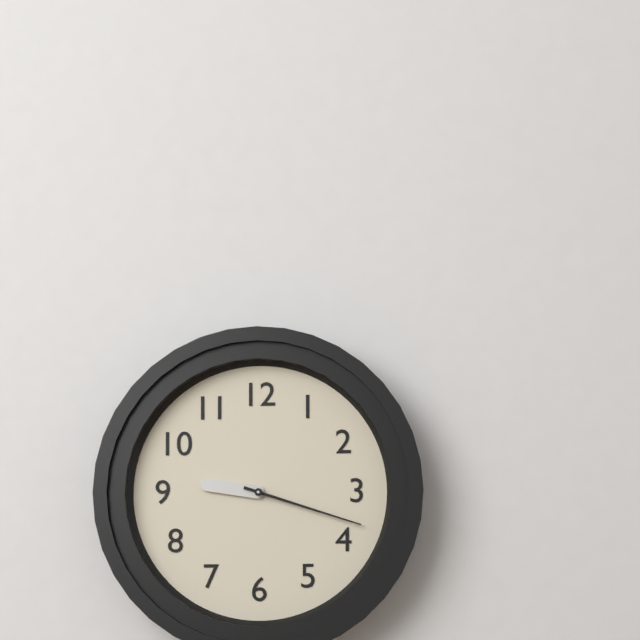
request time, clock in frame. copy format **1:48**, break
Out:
**9:18**
